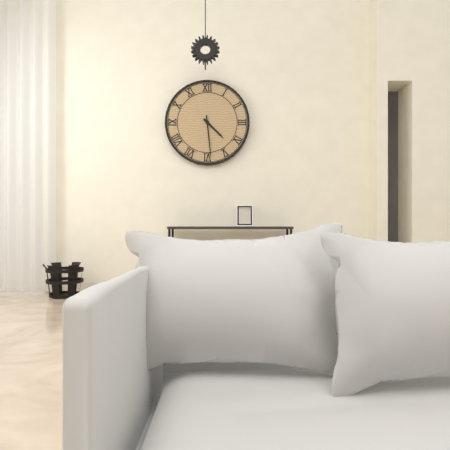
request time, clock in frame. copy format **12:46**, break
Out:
**4:29**
